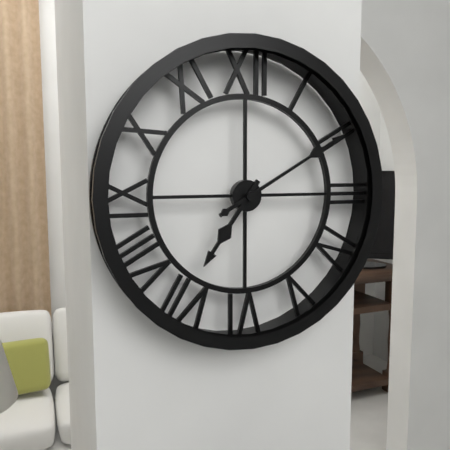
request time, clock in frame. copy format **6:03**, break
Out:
**7:10**
